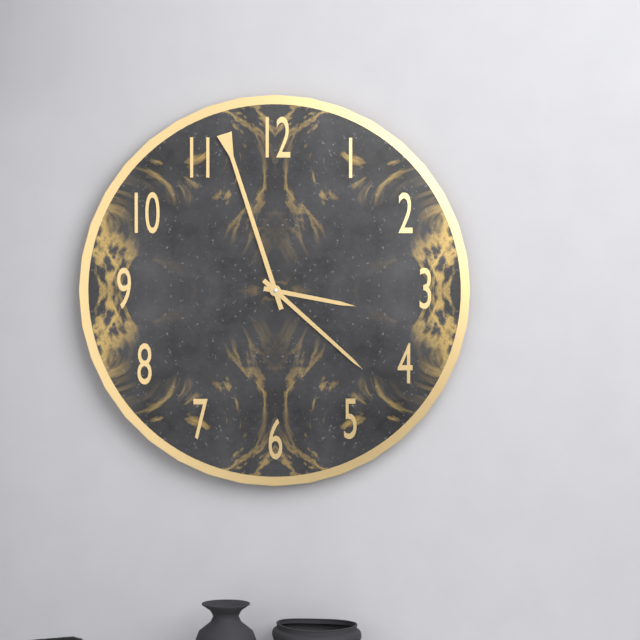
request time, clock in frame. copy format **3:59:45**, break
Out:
**3:22:57**
